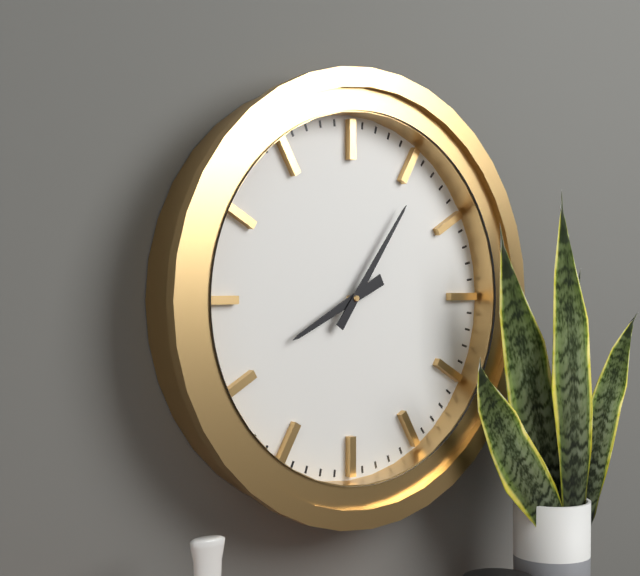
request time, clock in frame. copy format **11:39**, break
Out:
**8:06**
